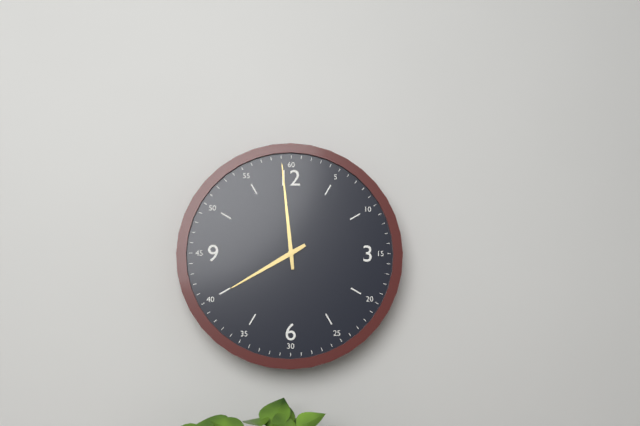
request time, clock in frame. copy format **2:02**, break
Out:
**7:59**
